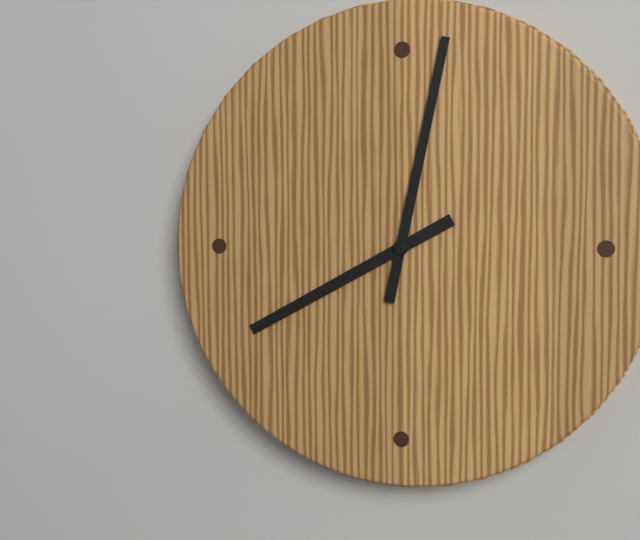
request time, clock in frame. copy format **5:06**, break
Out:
**8:02**
